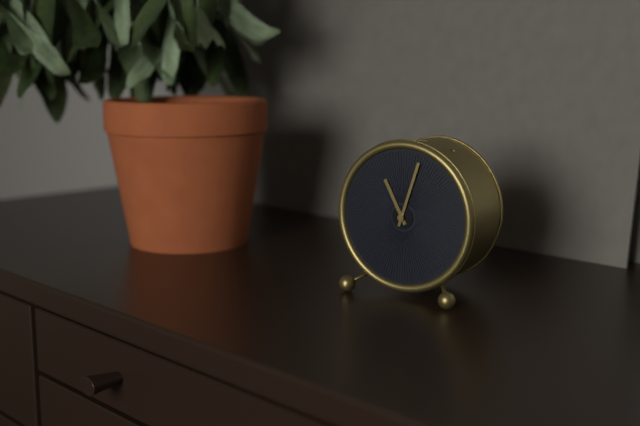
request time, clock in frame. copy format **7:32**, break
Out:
**11:03**
